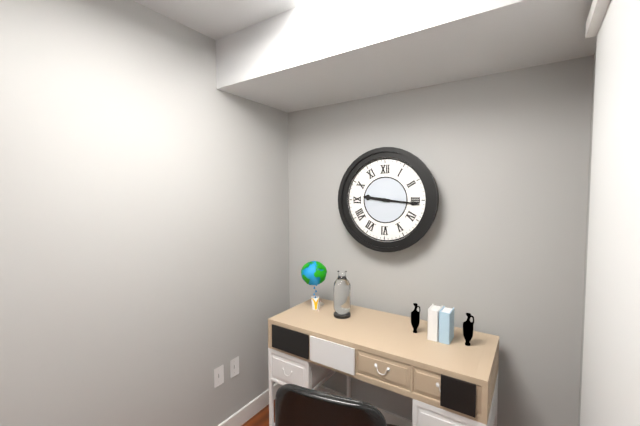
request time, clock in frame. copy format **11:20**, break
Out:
**9:16**
